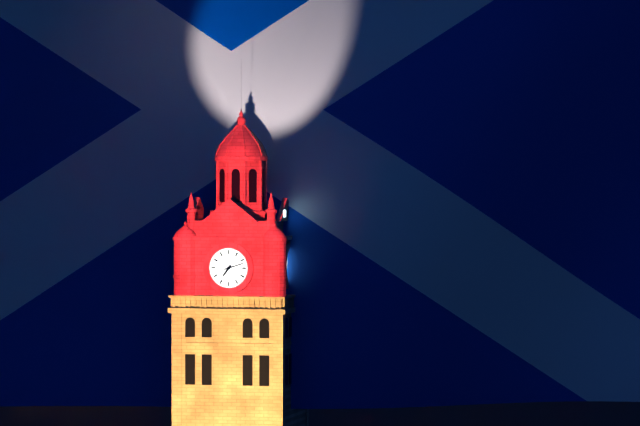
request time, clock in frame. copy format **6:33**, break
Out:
**7:12**
